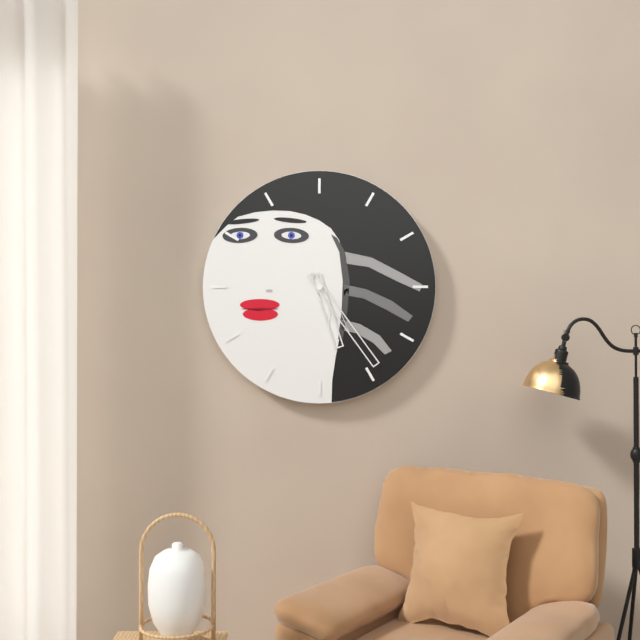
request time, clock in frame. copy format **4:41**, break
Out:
**5:24**
